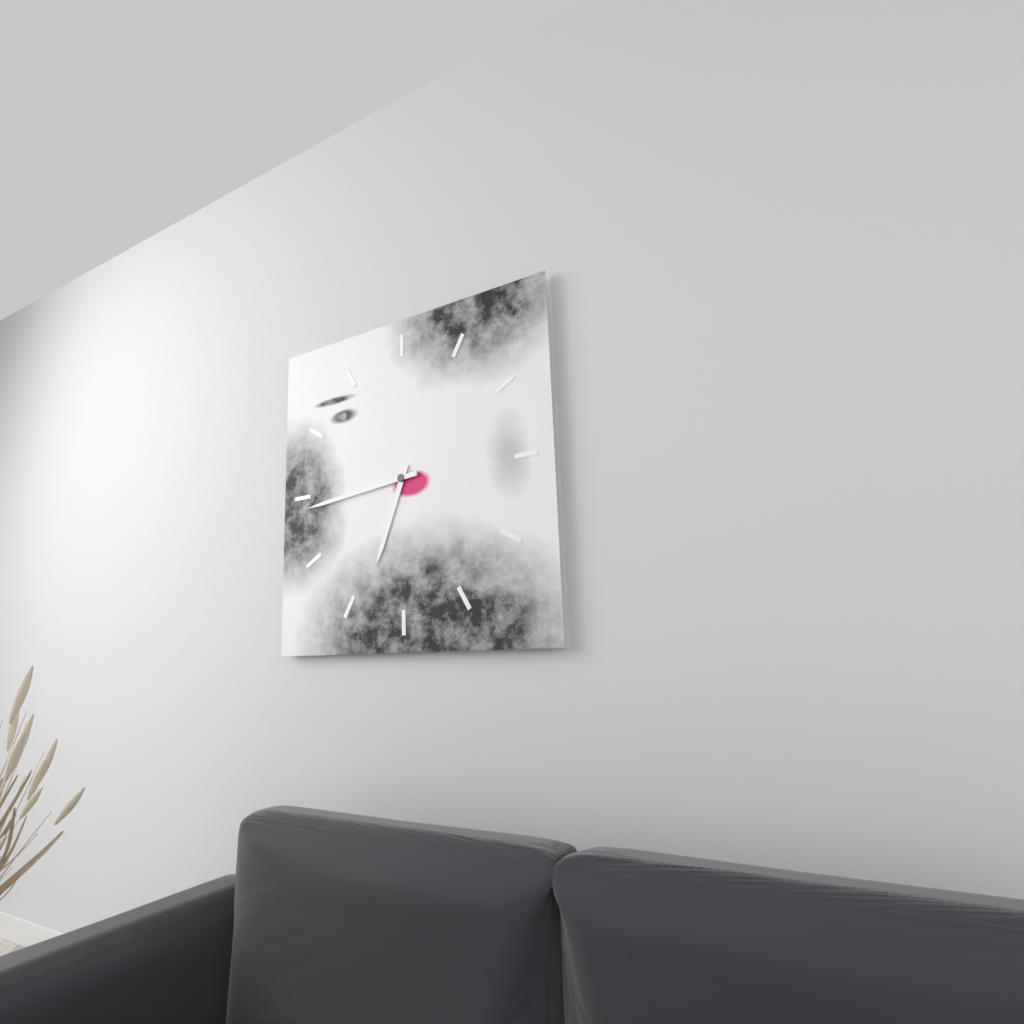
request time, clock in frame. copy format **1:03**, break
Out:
**6:44**
